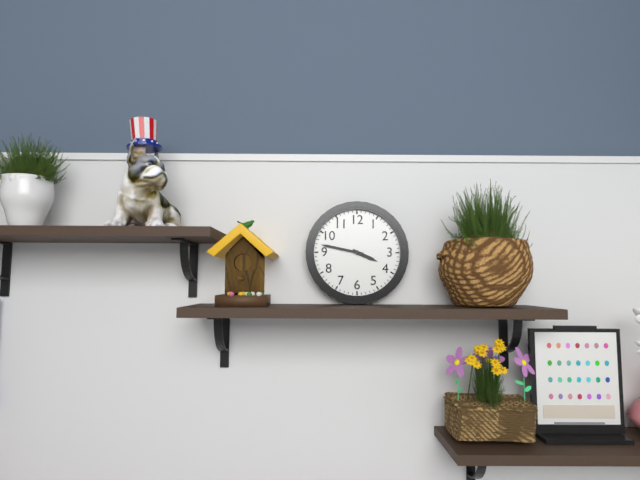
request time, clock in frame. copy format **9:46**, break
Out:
**3:47**
